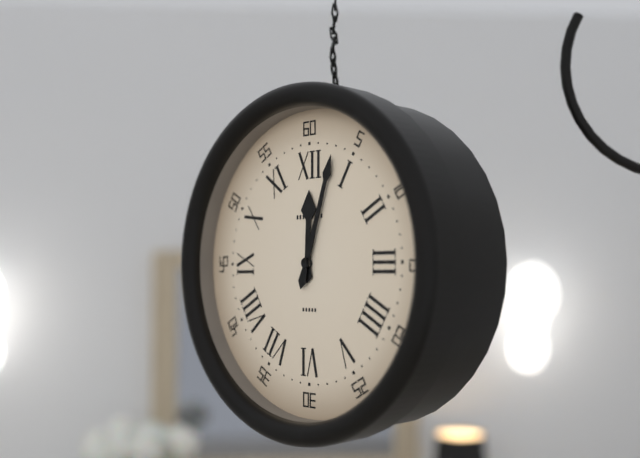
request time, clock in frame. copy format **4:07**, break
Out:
**12:03**
